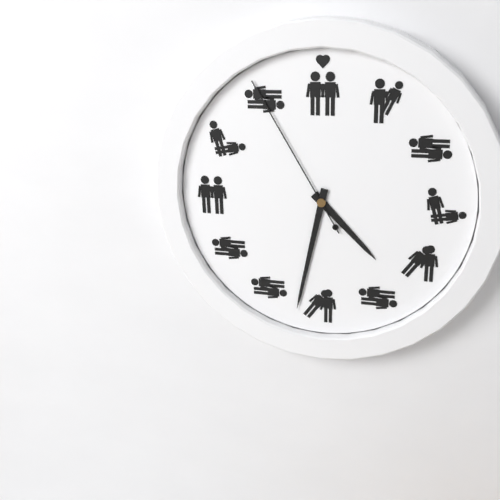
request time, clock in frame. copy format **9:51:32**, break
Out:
**4:32:55**
